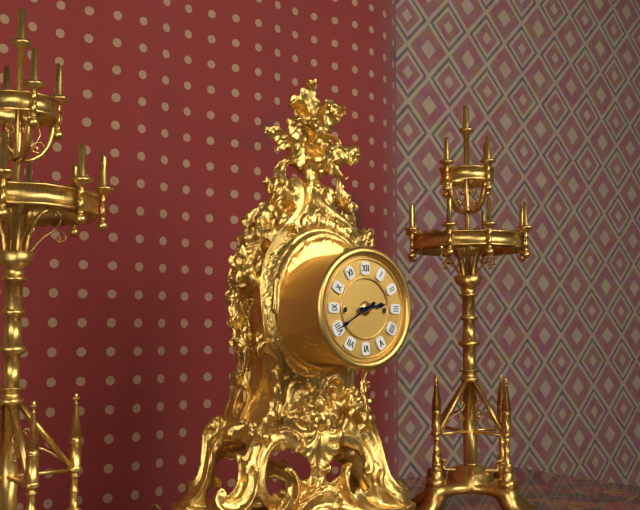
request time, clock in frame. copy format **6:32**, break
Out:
**2:40**
